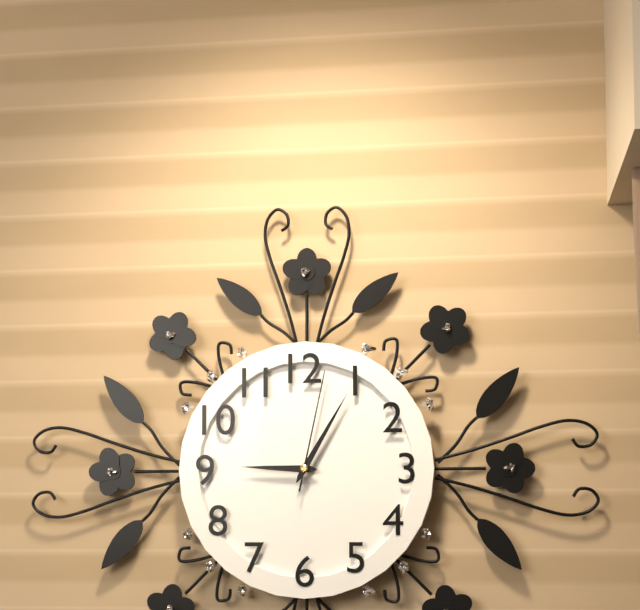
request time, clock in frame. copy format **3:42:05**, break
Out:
**9:05:02**
